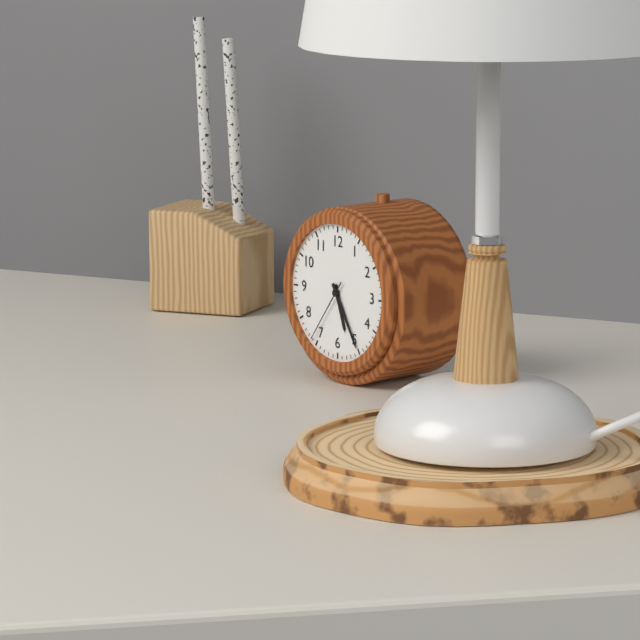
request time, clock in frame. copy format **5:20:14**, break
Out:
**5:25:36**
